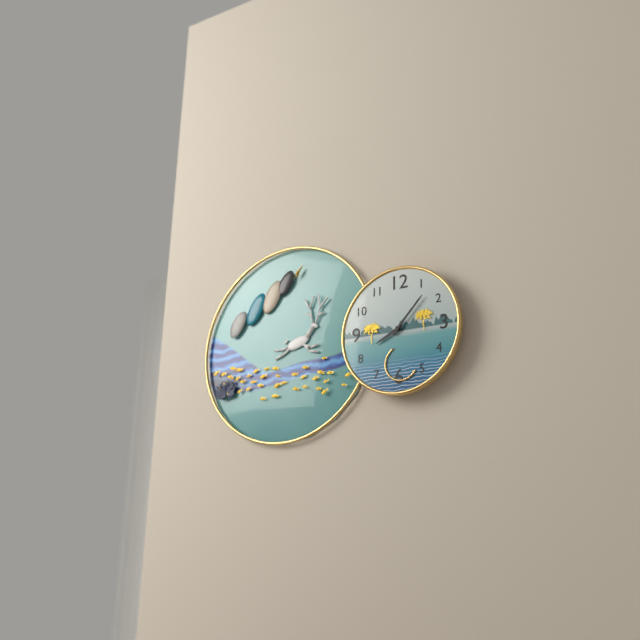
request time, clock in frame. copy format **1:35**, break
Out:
**8:07**
